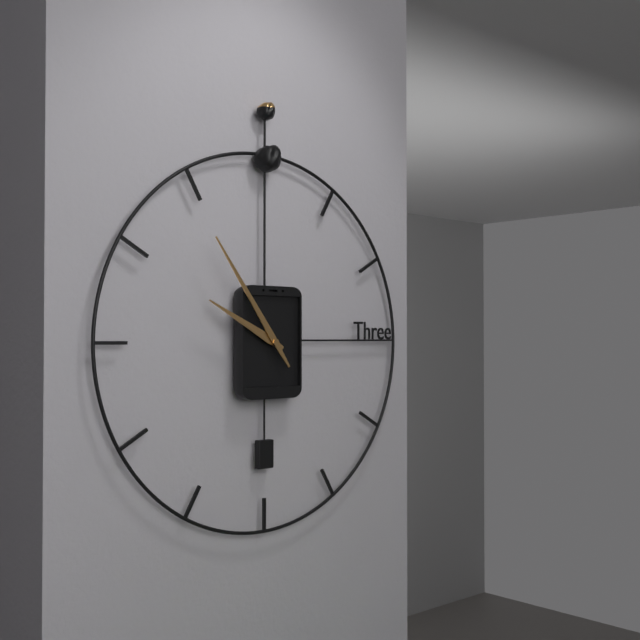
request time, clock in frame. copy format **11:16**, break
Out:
**9:54**
